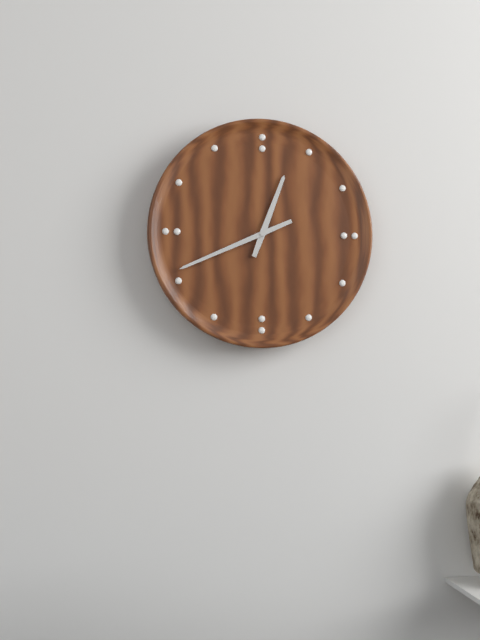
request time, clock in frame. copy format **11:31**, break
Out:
**12:41**
